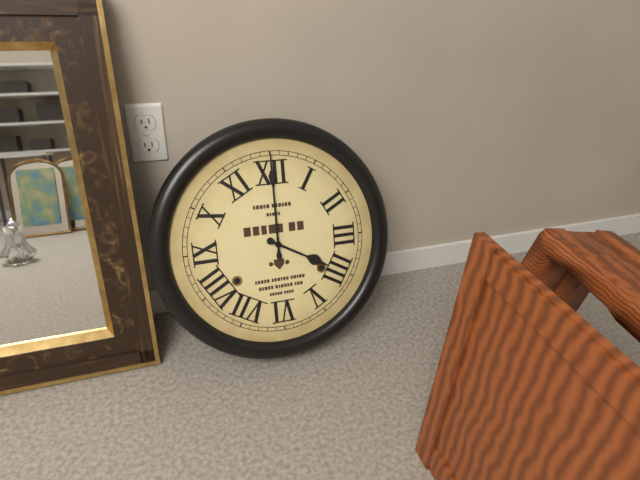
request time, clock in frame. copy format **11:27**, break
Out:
**4:00**
